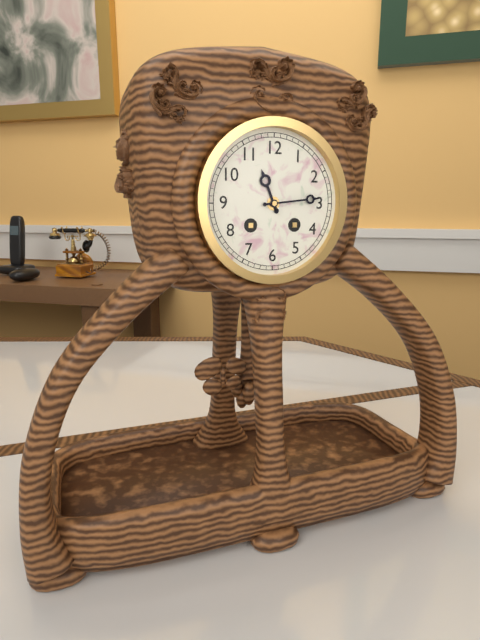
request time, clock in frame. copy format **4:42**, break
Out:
**11:14**
